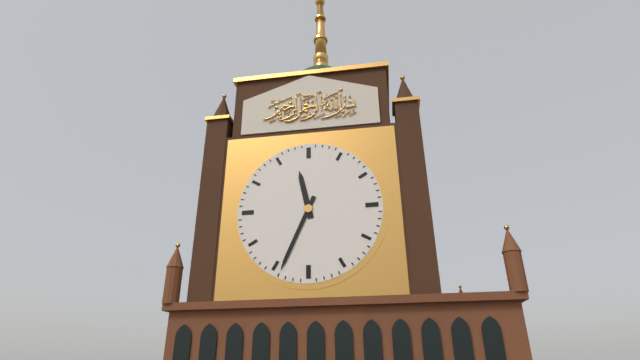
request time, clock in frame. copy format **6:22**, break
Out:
**11:34**
